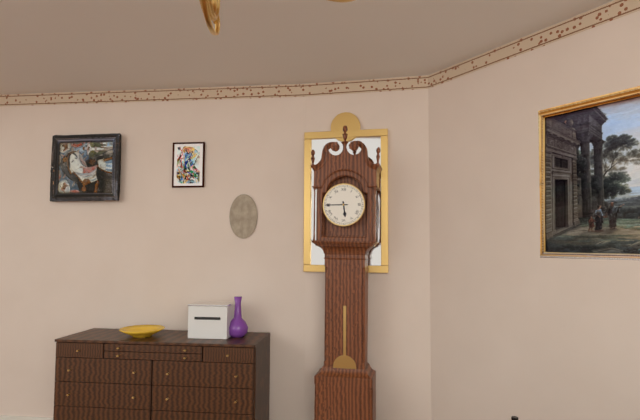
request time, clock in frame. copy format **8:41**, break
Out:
**5:45**
